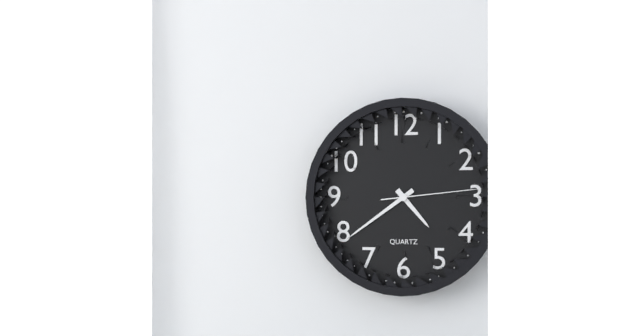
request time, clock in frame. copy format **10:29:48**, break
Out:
**4:39:14**
